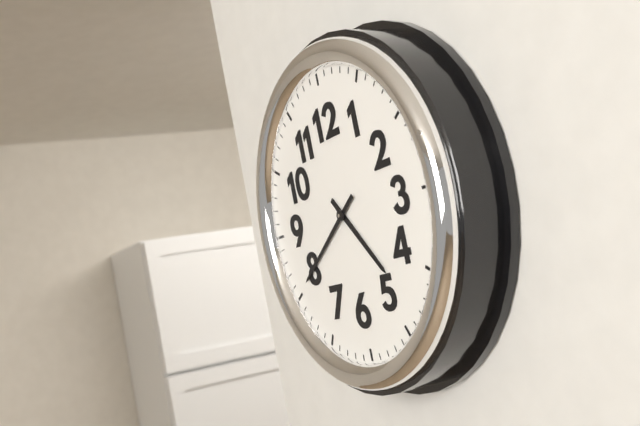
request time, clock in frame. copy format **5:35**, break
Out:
**4:40**
